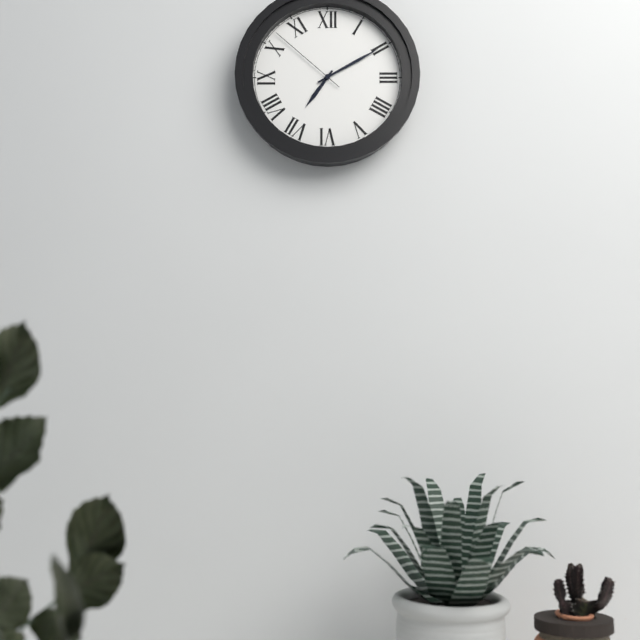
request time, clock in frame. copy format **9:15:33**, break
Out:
**7:10:52**
